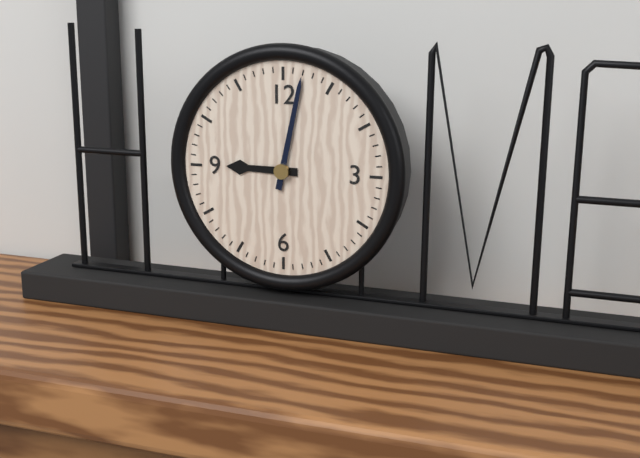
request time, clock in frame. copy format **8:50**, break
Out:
**9:02**
